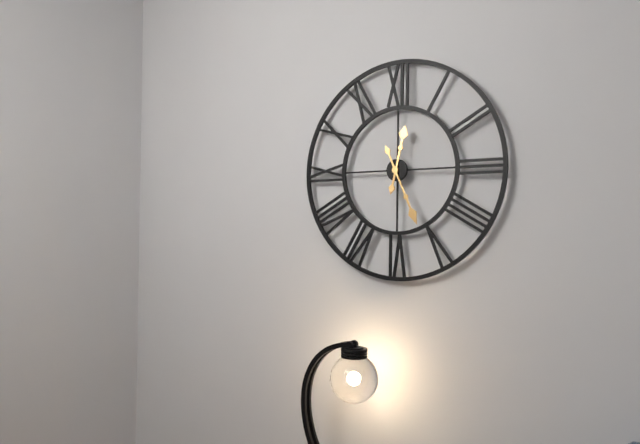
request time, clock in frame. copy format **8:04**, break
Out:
**12:26**
